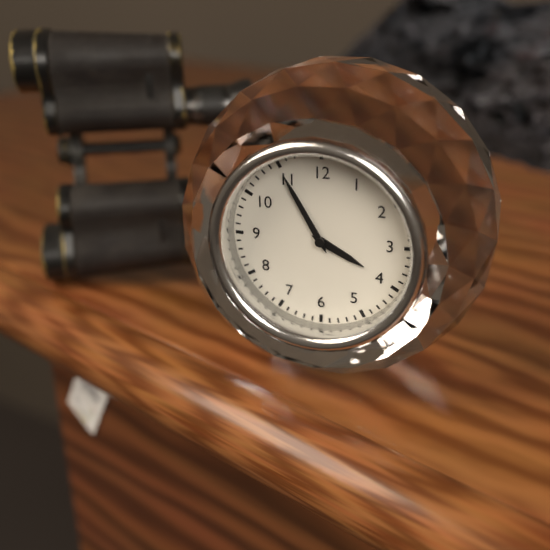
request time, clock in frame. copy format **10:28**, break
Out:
**3:55**
